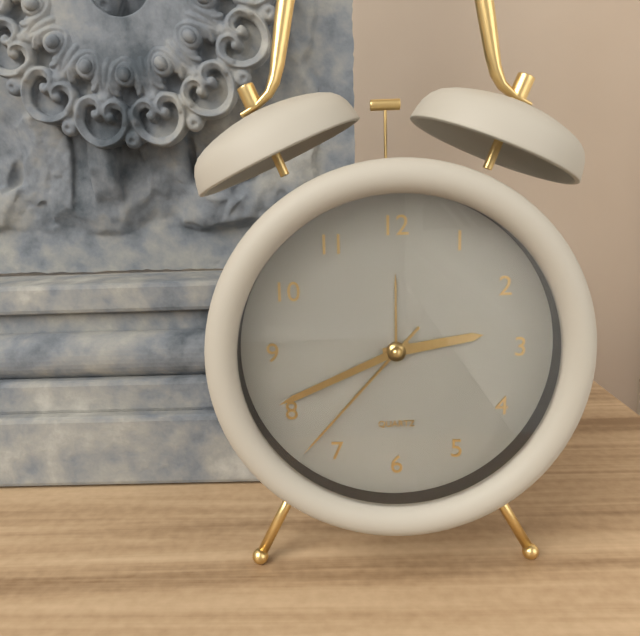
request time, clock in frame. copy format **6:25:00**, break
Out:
**2:41:37**
